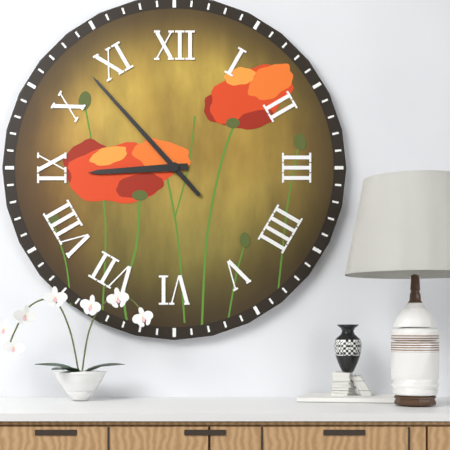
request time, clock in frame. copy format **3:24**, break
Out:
**8:53**
